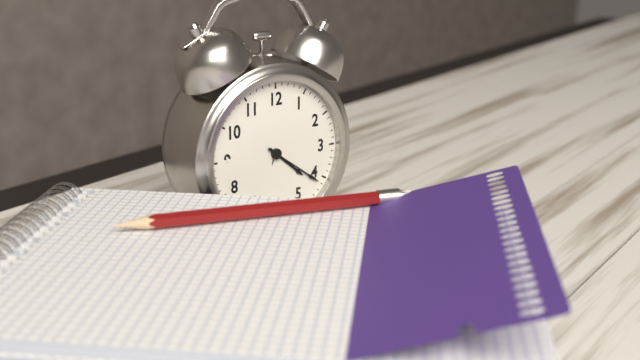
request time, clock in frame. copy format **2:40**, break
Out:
**4:21**
